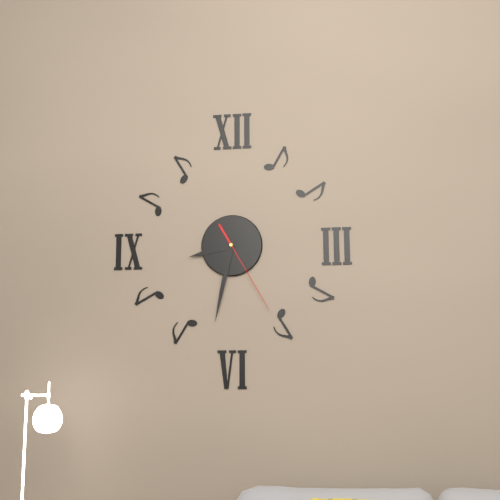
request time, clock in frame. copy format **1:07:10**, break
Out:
**8:32:25**
